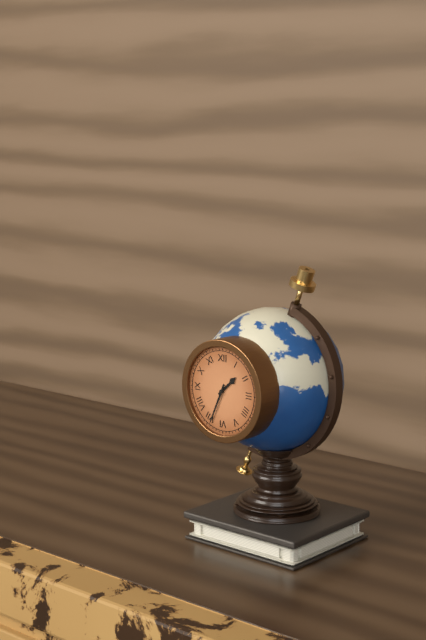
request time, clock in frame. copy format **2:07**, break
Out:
**1:34**
